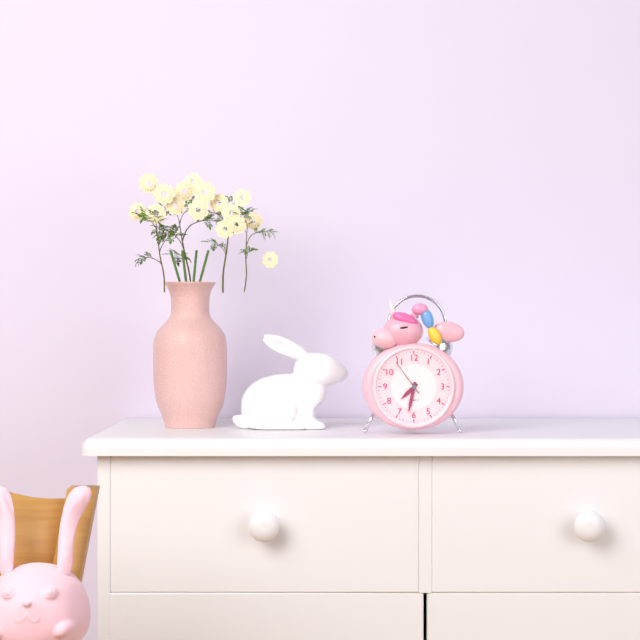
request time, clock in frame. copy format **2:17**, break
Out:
**7:32**
